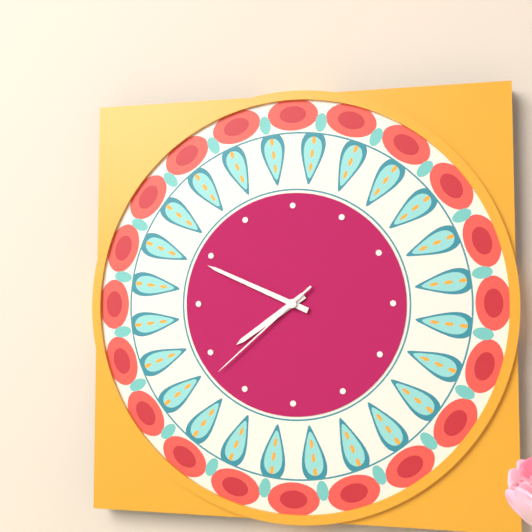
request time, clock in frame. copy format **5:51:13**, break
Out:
**7:49:38**
